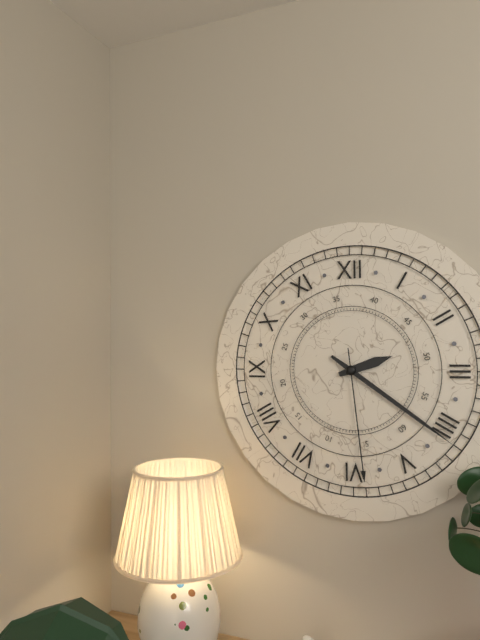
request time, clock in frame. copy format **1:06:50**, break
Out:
**2:21:29**
